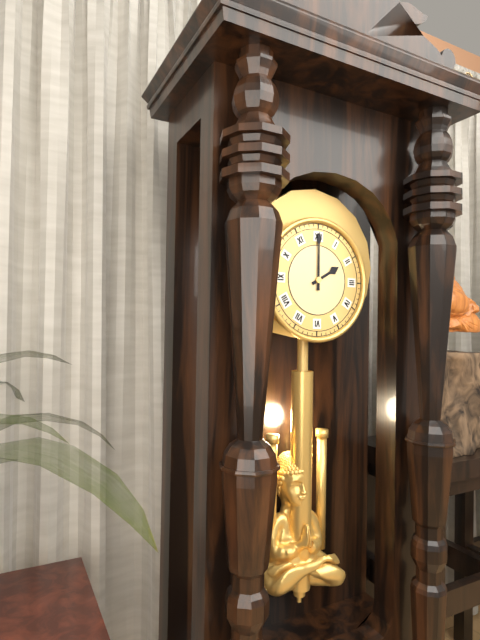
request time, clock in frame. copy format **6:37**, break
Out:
**2:00**
